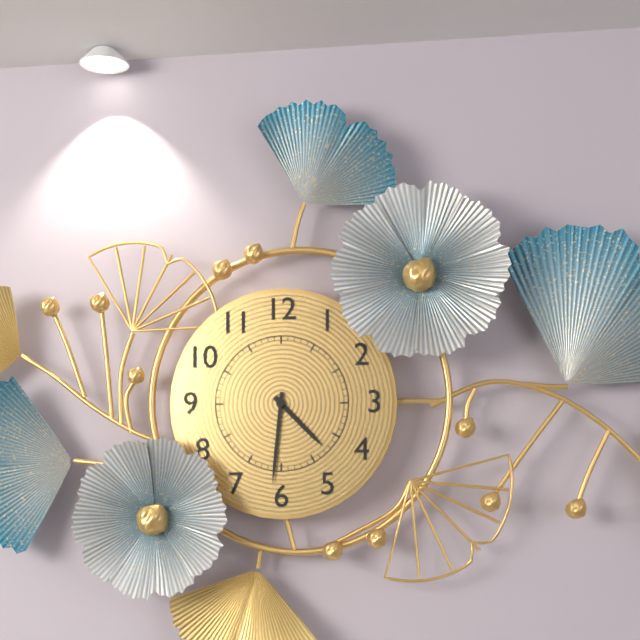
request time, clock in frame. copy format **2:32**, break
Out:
**4:31**
